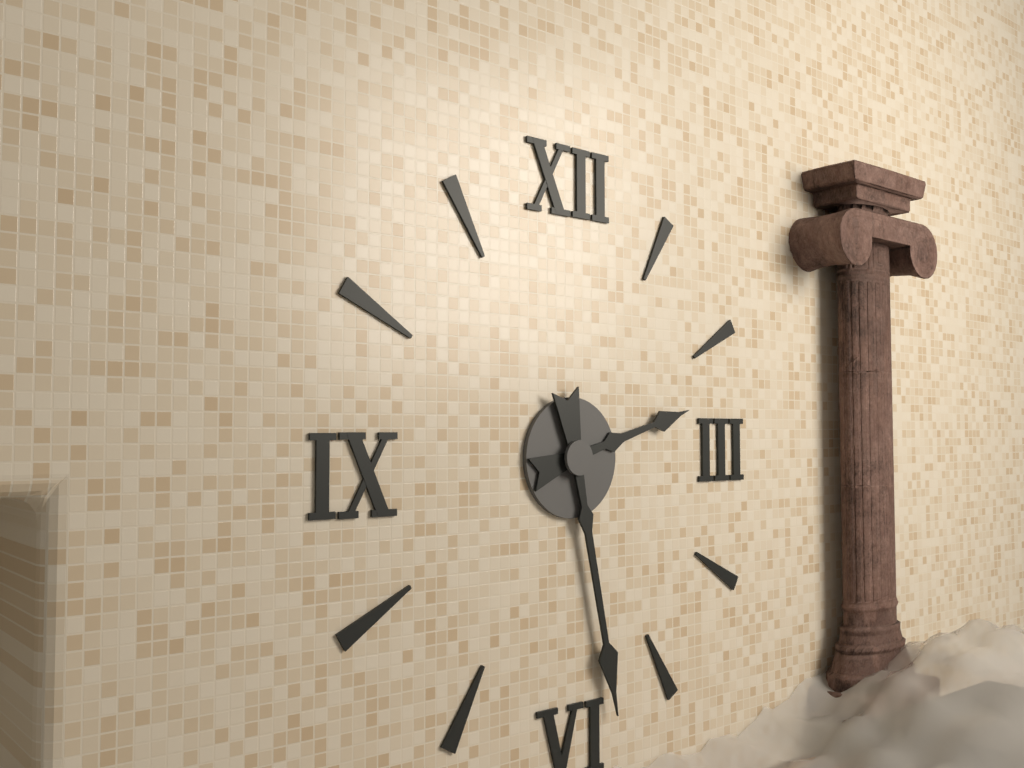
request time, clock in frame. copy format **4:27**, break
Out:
**2:28**
